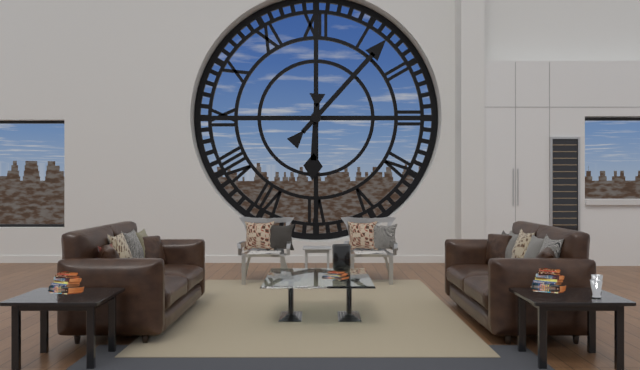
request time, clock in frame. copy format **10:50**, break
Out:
**6:07**
